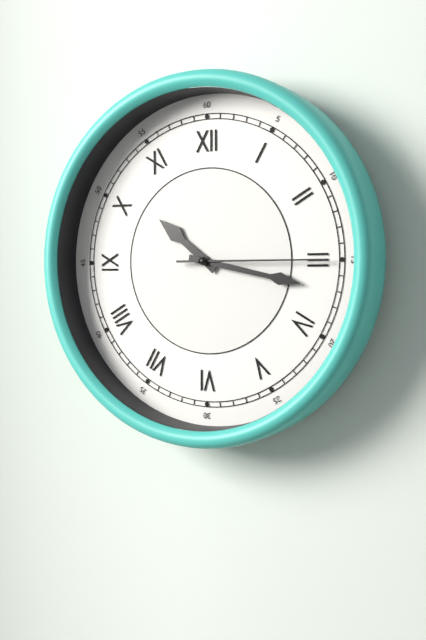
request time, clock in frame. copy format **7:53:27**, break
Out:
**10:17:15**
